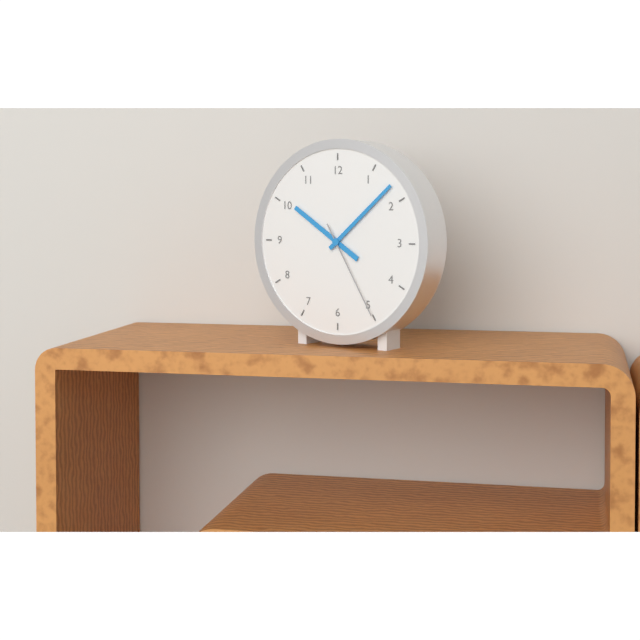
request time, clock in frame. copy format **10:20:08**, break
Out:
**10:08:25**
